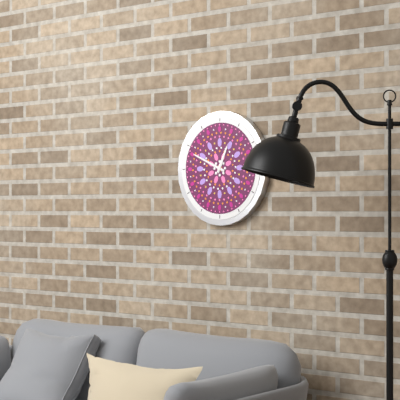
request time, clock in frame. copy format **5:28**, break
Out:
**12:49**
